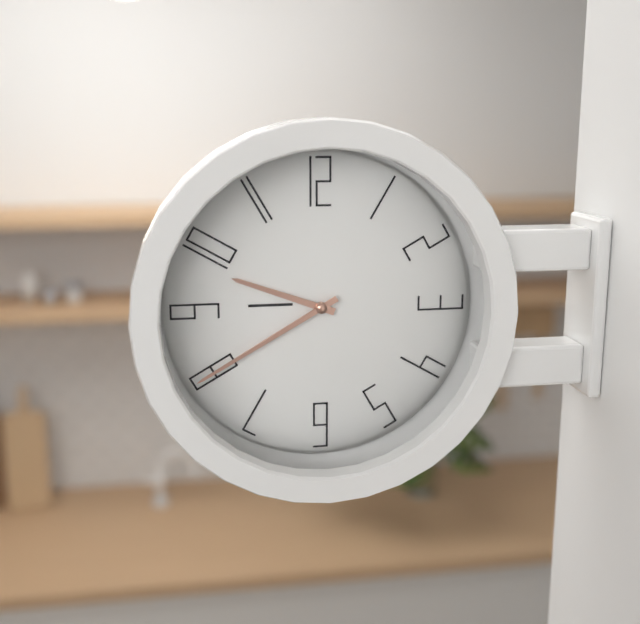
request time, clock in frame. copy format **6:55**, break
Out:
**9:40**
